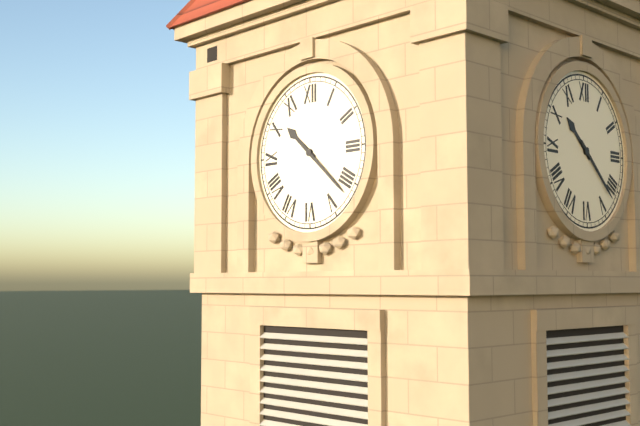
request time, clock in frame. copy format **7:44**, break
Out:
**10:22**
